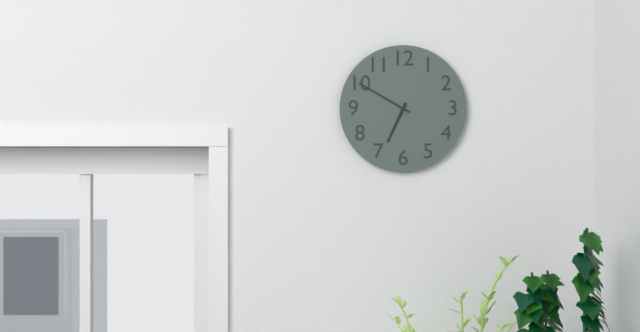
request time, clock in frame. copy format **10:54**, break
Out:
**6:50**
